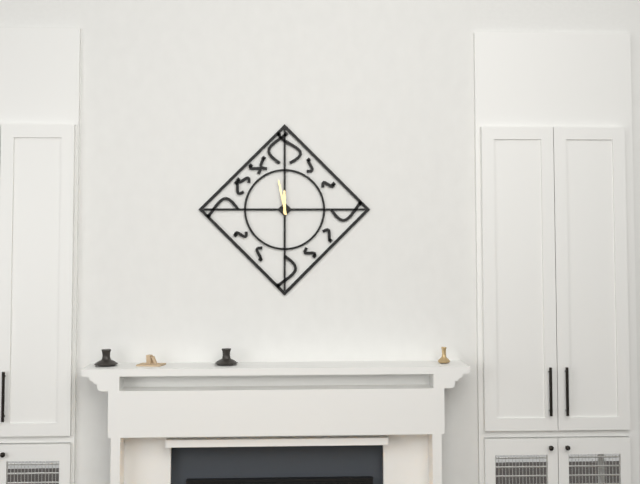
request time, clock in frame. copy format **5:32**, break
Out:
**11:58**
